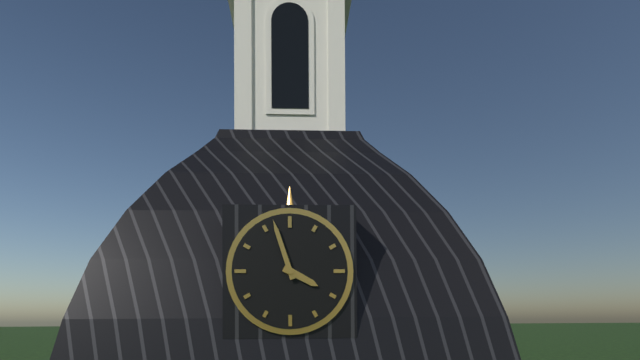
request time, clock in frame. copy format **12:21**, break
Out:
**3:57**
